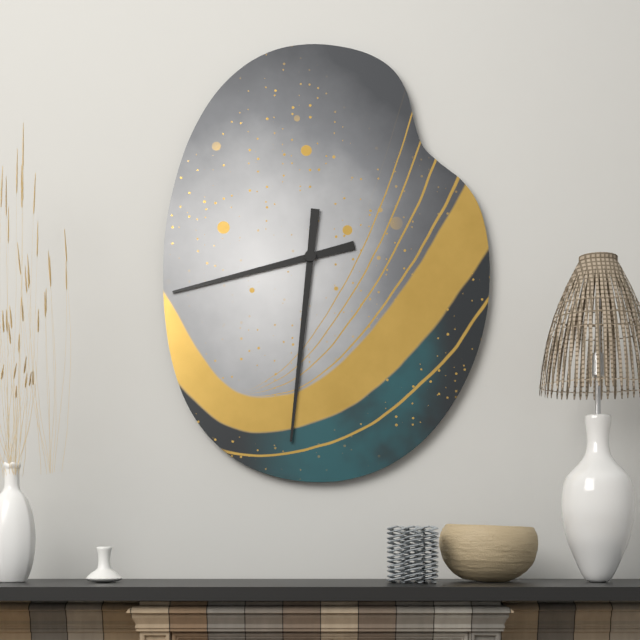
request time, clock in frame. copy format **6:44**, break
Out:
**8:31**
